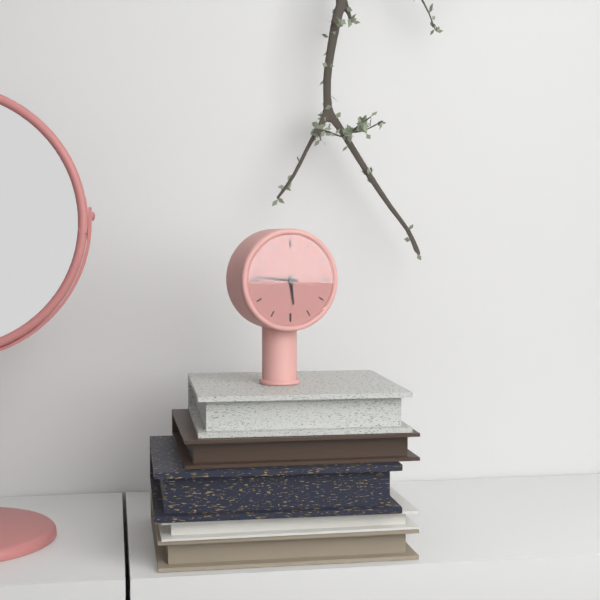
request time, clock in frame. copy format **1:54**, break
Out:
**5:46**
